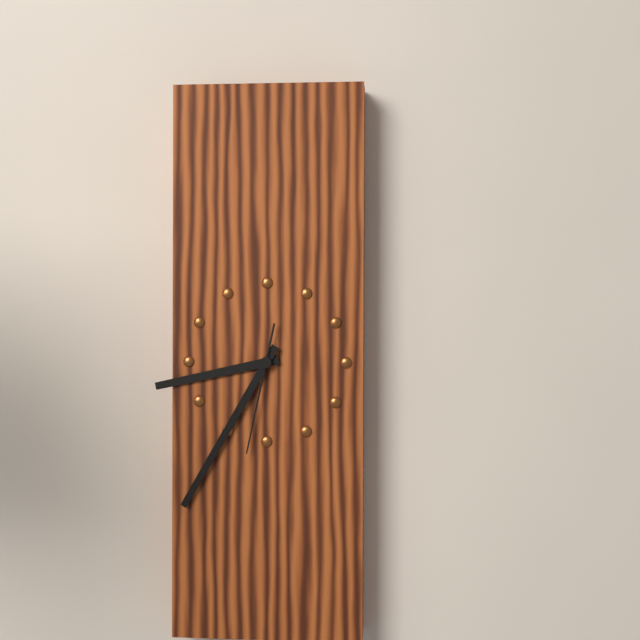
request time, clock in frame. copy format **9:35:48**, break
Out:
**8:35:32**
